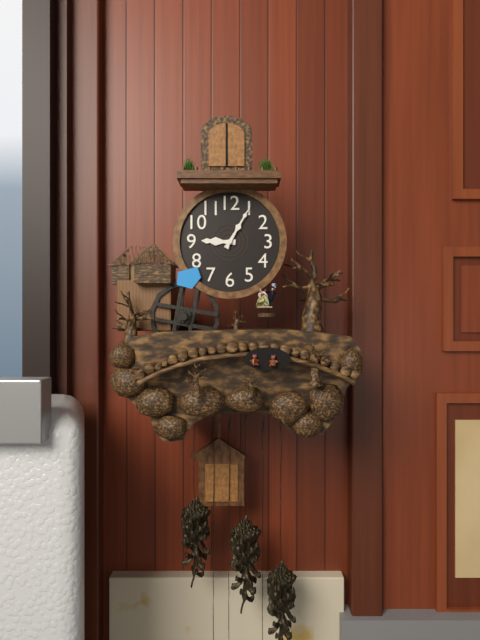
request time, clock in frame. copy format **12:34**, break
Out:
**9:05**
